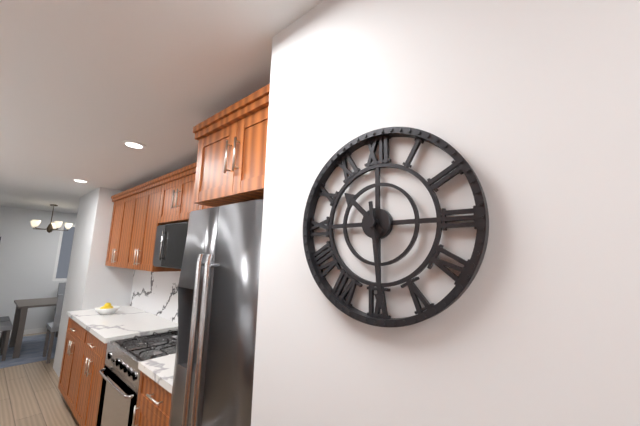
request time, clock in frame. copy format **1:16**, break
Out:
**10:29**
